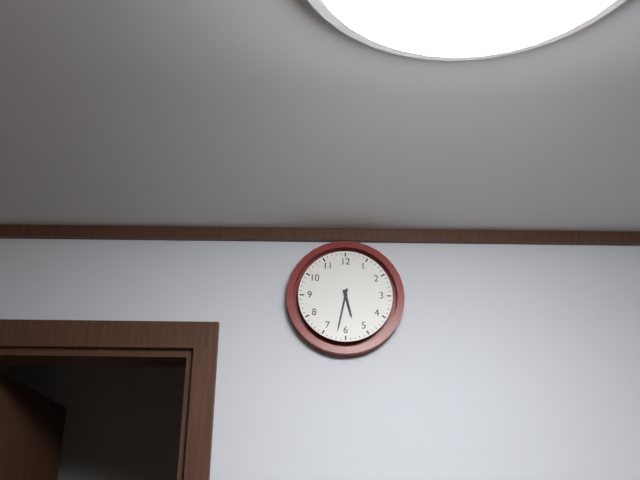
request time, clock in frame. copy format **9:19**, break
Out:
**5:32**
